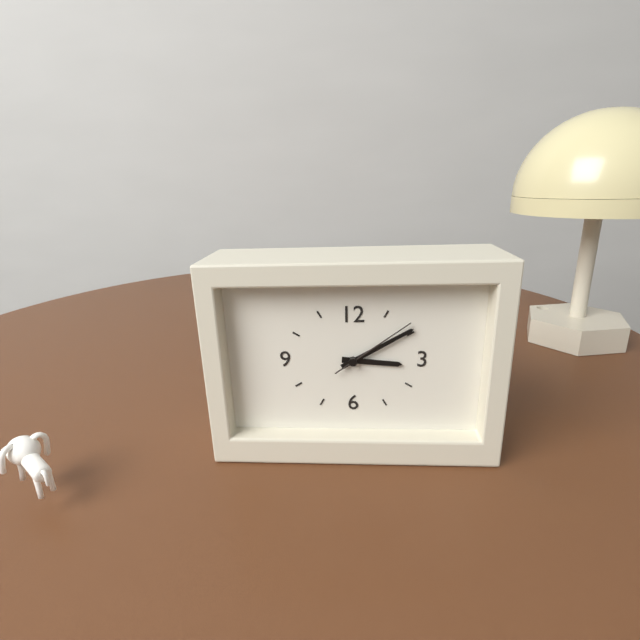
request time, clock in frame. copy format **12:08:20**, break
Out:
**3:10:09**
